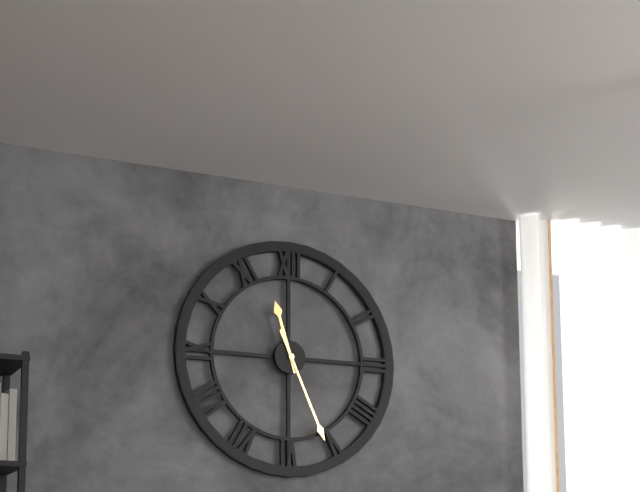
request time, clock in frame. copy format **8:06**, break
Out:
**11:26**
